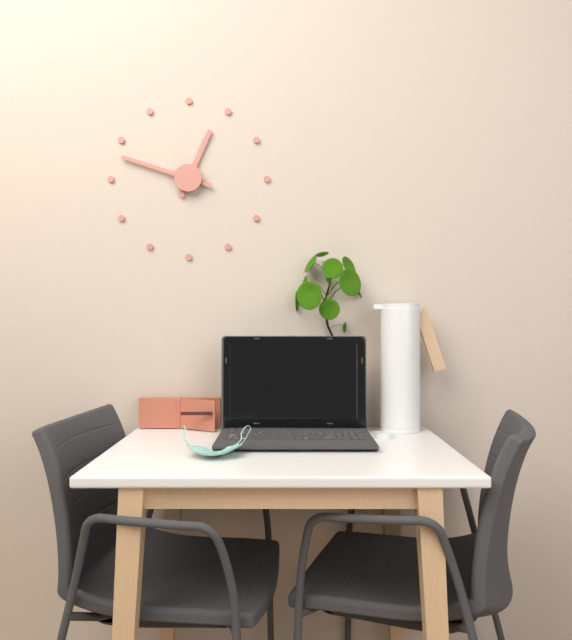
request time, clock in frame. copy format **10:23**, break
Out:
**12:48**
